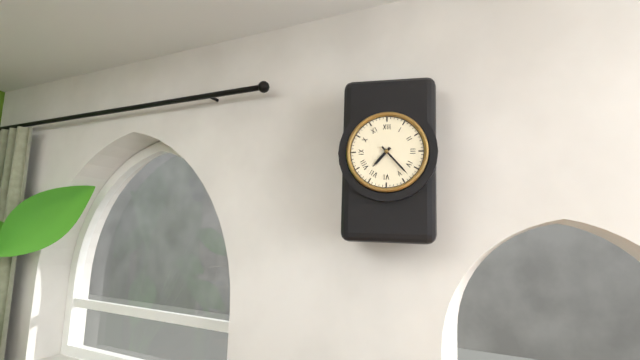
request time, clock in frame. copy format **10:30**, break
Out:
**7:23**
